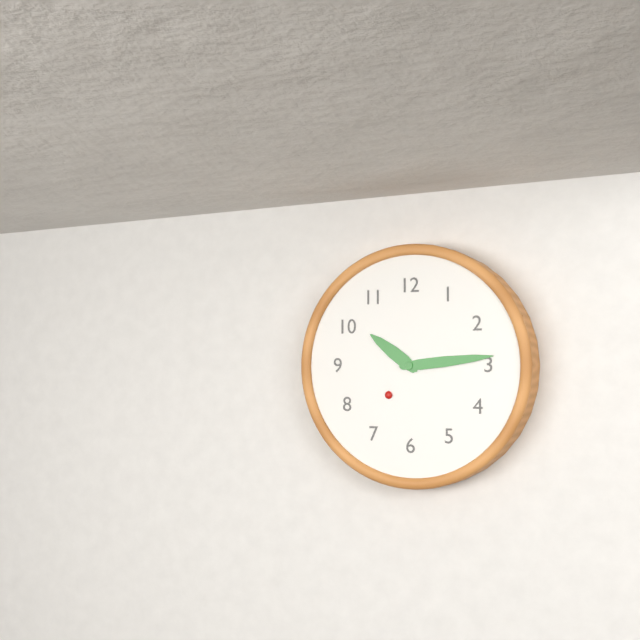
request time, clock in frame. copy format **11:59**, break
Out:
**10:14**
